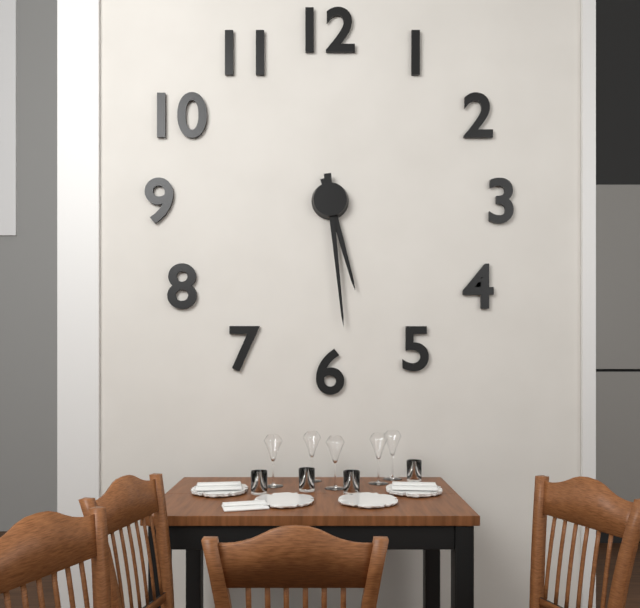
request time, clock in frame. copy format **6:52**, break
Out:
**5:29**
